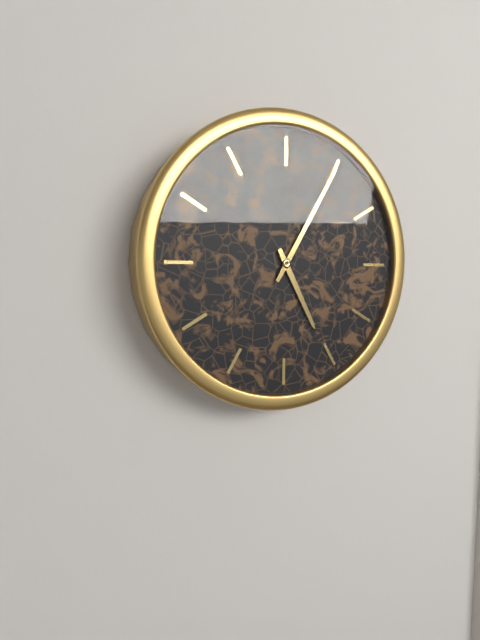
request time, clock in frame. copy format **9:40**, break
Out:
**5:05**
